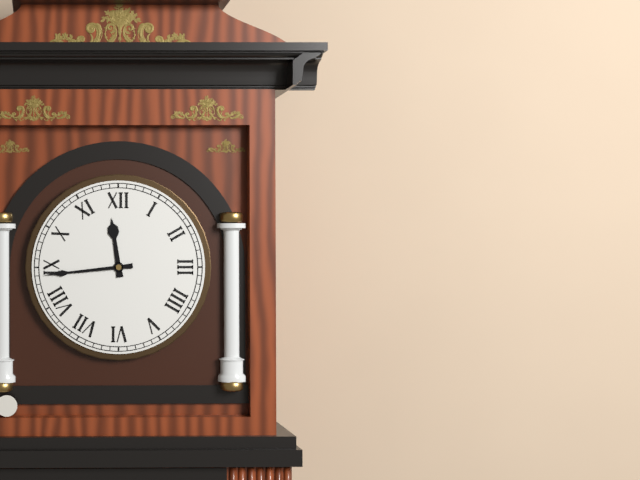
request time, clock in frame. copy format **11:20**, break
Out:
**11:44**
